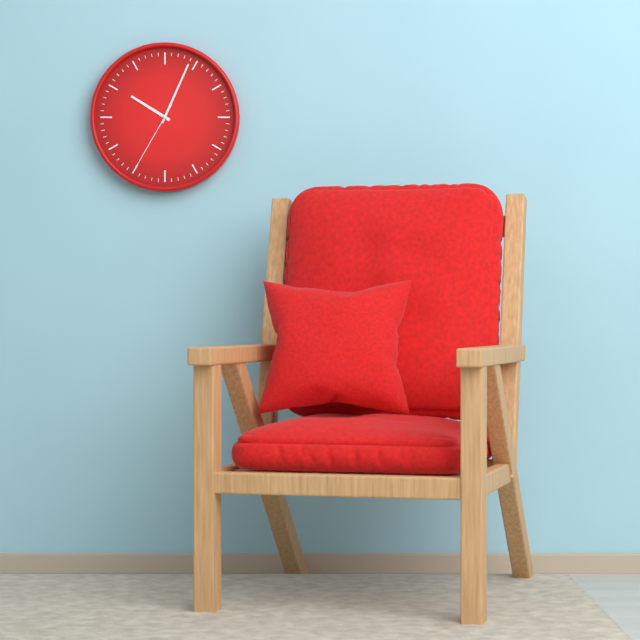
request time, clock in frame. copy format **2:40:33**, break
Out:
**10:04:35**
